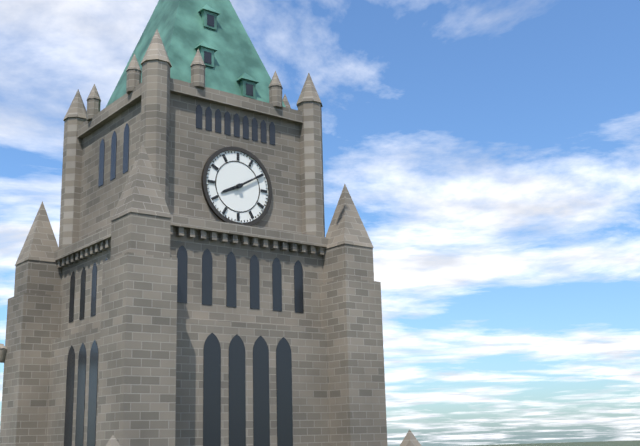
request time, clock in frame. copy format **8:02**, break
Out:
**8:10**
